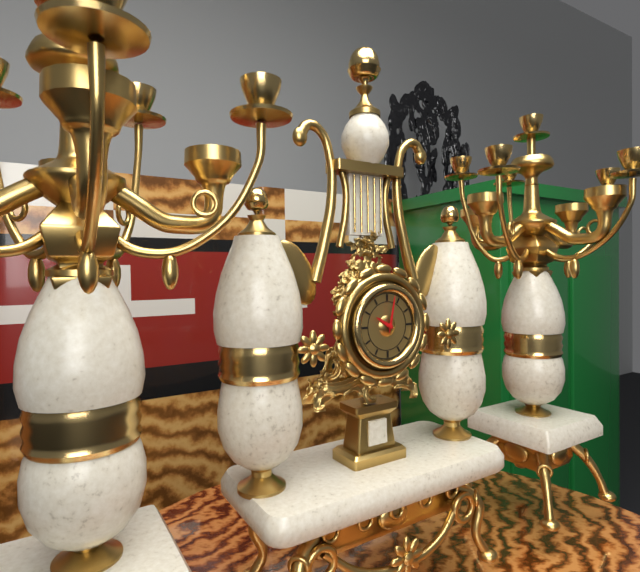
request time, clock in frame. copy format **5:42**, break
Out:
**10:02**
